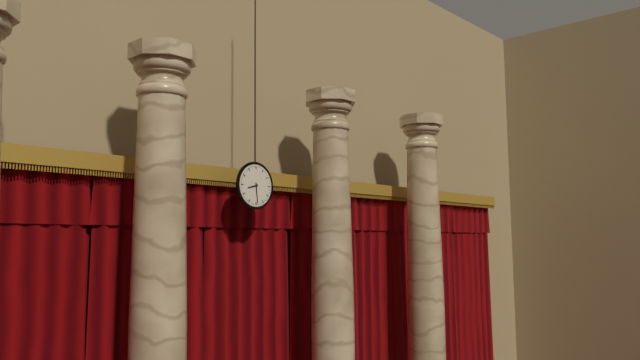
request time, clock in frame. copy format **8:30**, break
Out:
**8:29**
